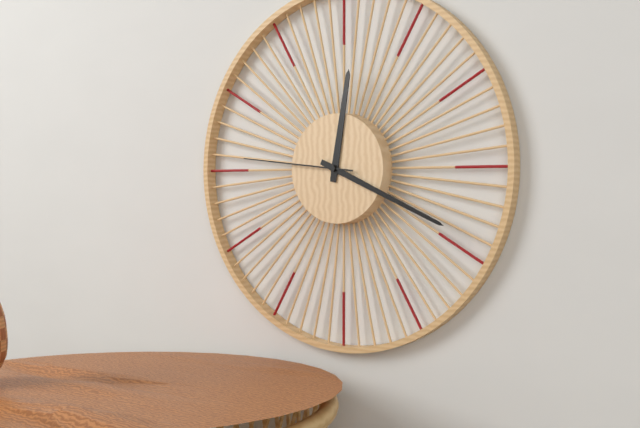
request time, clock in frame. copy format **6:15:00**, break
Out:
**12:19:46**
